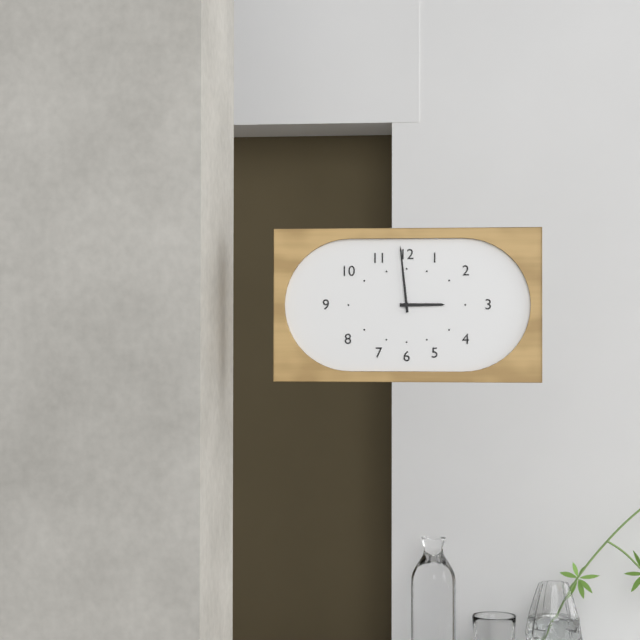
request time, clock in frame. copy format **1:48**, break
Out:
**2:59**
